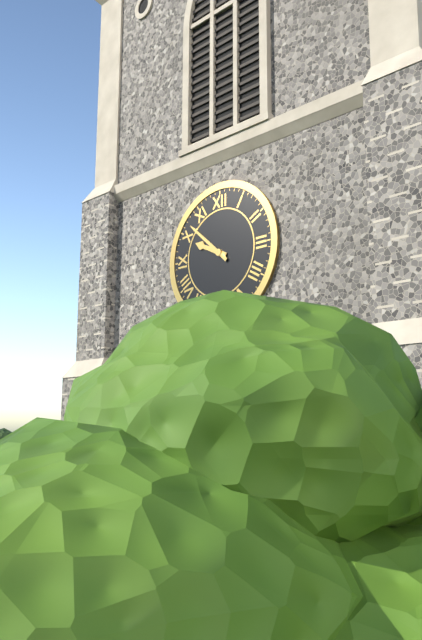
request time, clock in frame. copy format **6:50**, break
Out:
**9:52**
